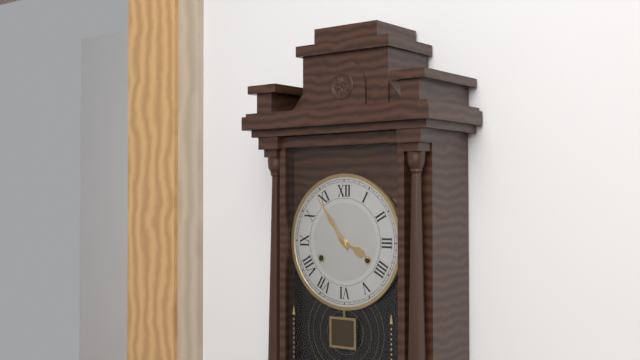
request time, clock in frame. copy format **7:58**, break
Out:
**3:54**
